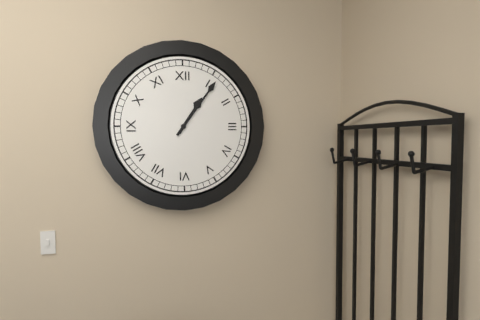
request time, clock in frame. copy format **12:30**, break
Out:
**1:06**
